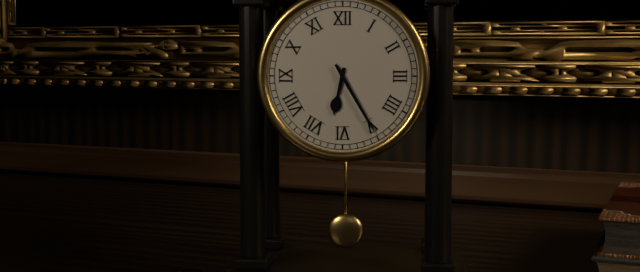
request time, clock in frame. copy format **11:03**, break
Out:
**6:25**
